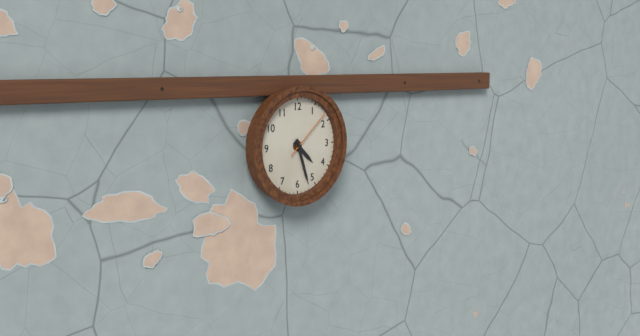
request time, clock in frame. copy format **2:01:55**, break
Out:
**4:27:08**
